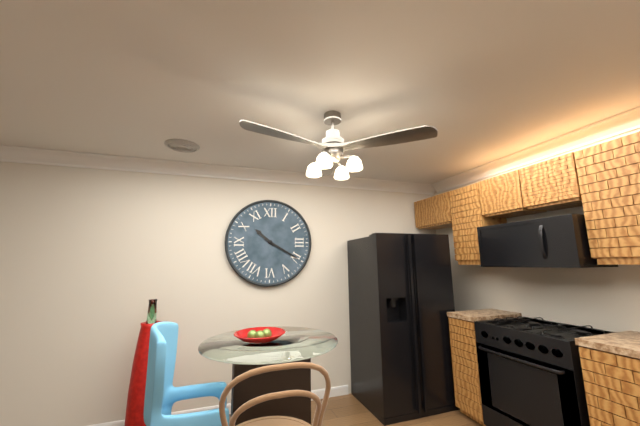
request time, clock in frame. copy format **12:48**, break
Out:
**10:20**
